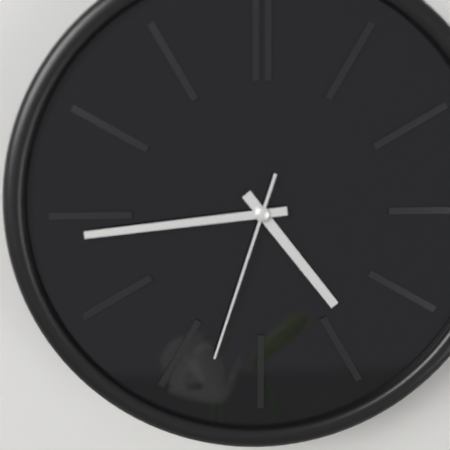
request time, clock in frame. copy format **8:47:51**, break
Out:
**4:44:33**
